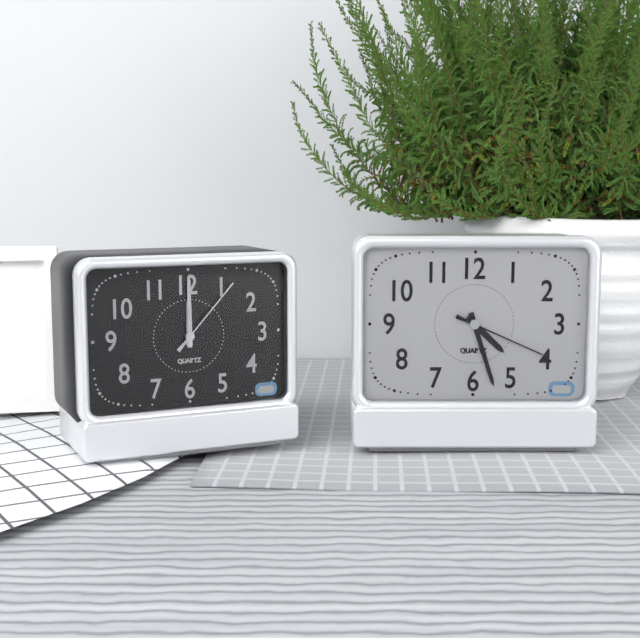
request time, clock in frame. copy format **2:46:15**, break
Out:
**4:27:19**
